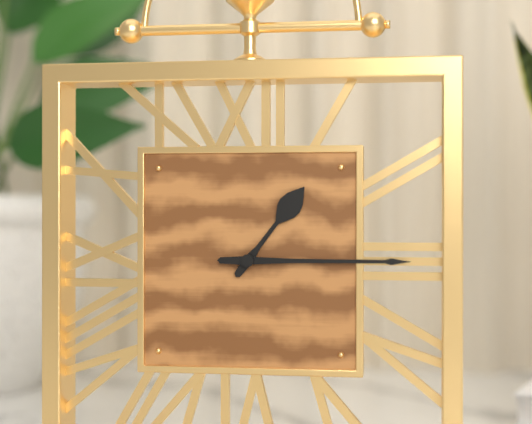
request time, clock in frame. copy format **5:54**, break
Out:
**1:15**
